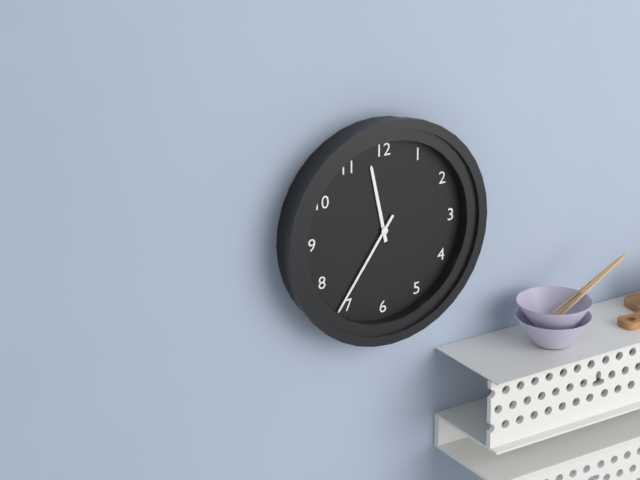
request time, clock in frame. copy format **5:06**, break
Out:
**11:36**
